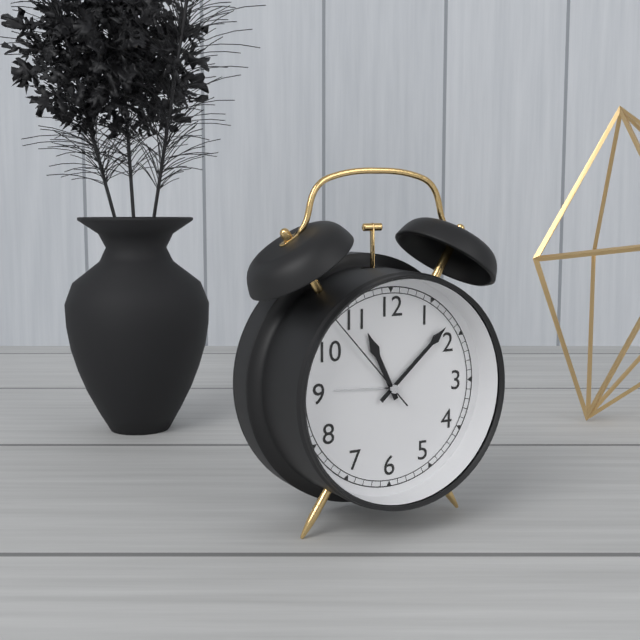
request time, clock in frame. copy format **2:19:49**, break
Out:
**11:08:53**
